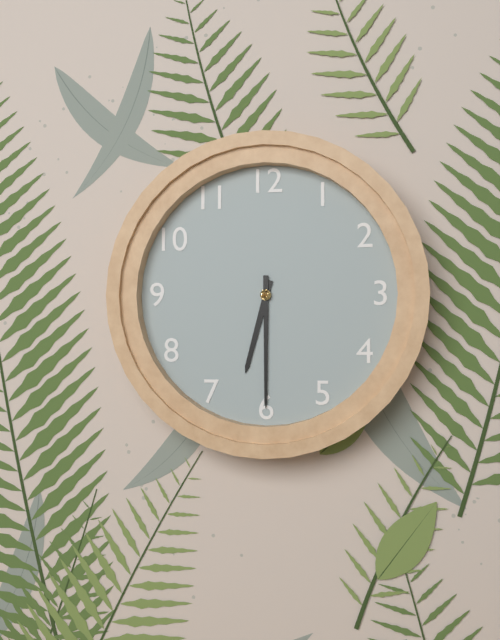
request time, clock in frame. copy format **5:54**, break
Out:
**6:30**
